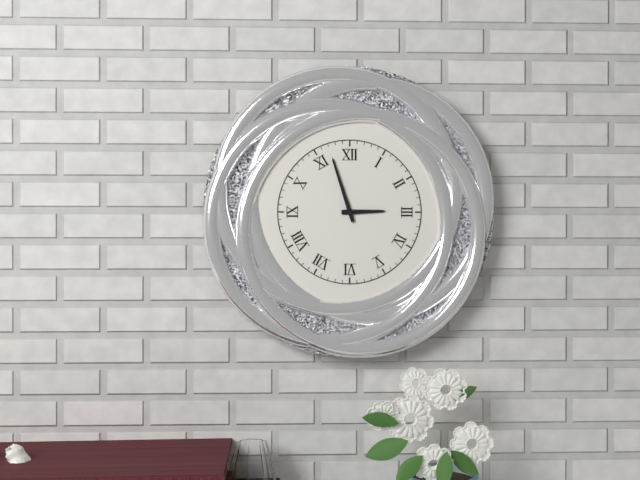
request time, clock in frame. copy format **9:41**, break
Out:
**2:57**
